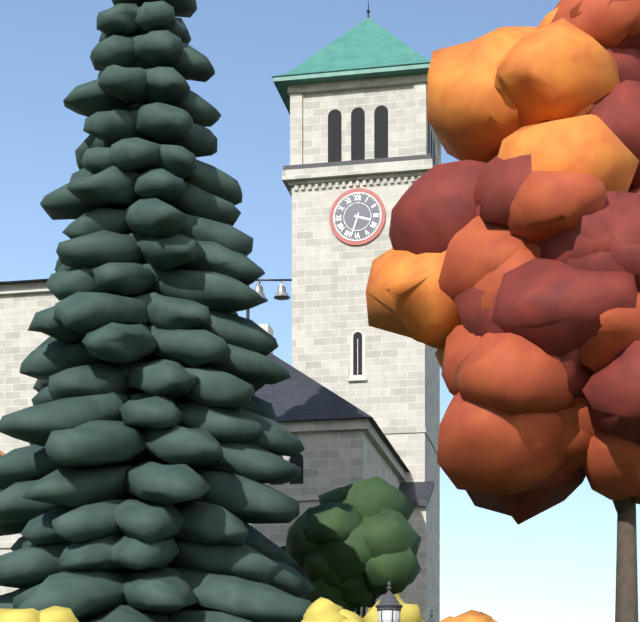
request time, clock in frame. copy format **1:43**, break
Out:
**3:33**
